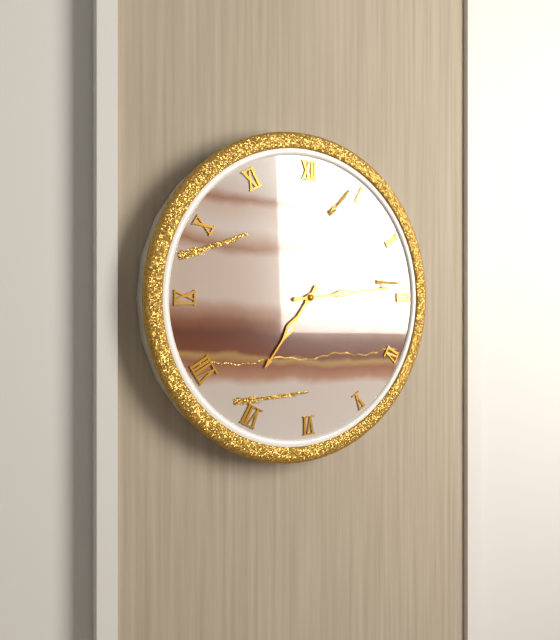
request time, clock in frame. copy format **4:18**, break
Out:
**7:14**
